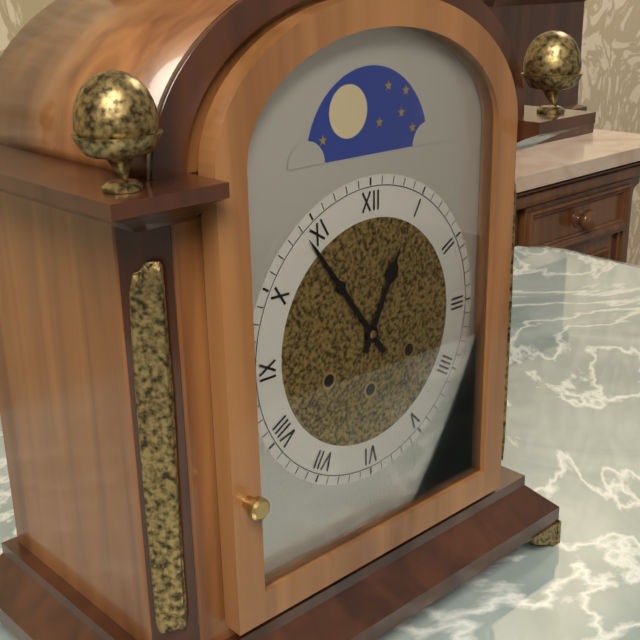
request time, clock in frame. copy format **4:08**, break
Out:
**12:54**
